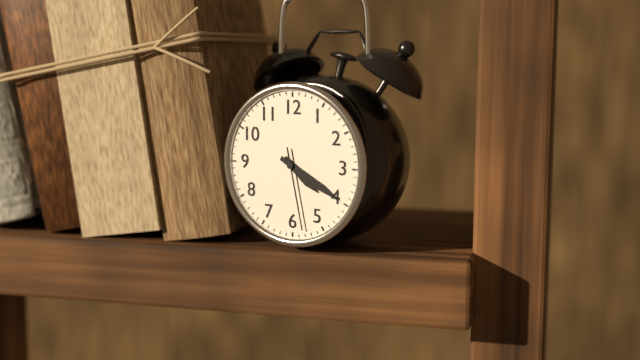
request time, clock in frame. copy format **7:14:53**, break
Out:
**4:20:28**
